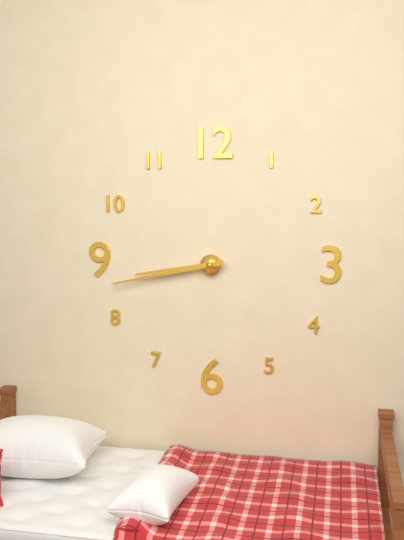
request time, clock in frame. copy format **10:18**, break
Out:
**8:43**
